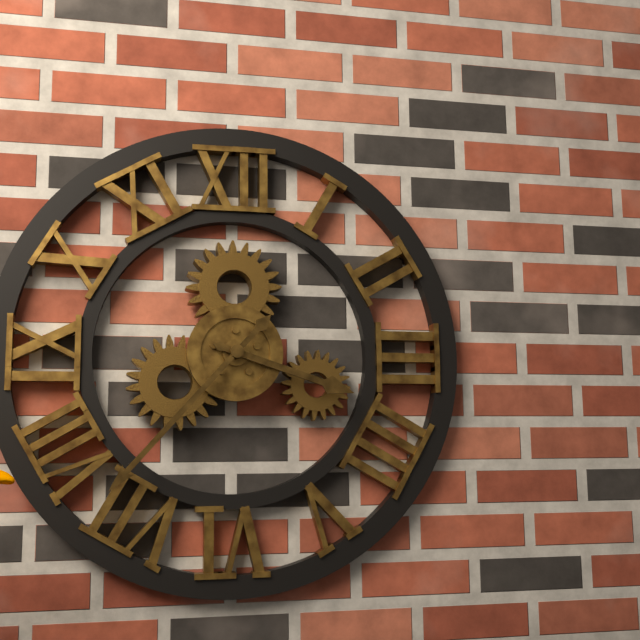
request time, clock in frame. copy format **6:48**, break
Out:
**3:37**
